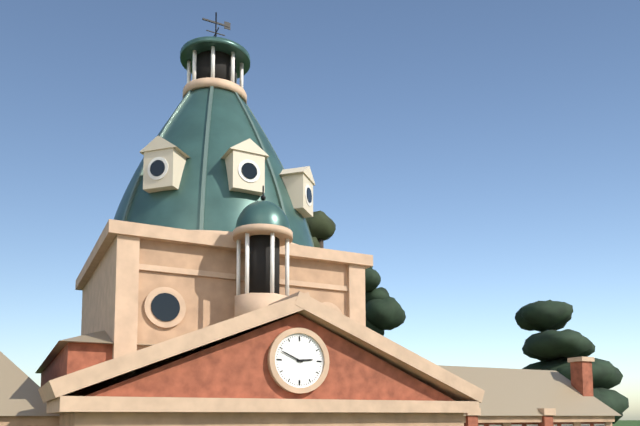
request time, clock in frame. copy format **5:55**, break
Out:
**2:49**
